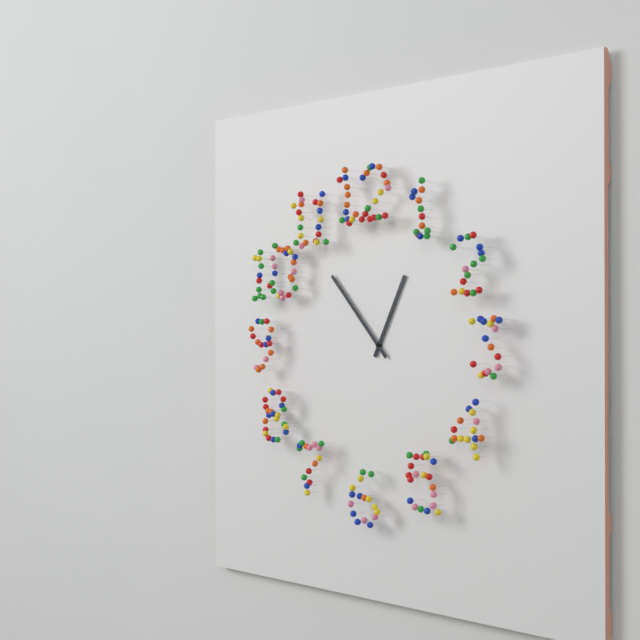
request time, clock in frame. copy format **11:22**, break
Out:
**12:53**
